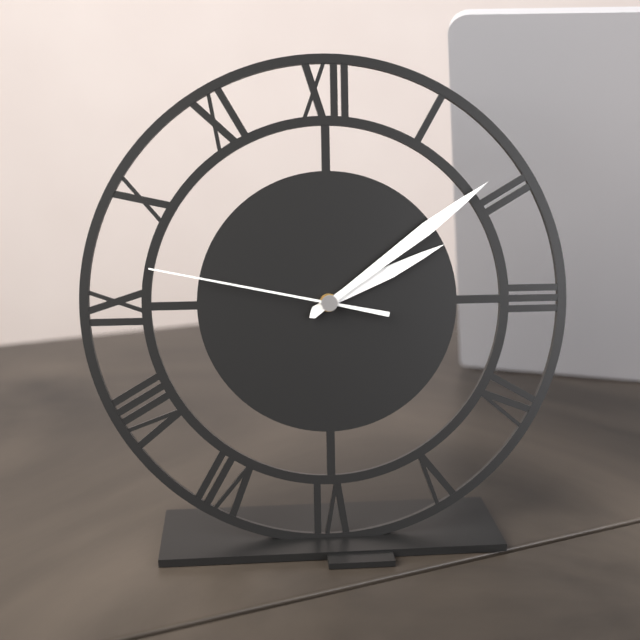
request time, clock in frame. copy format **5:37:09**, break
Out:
**2:09:47**
